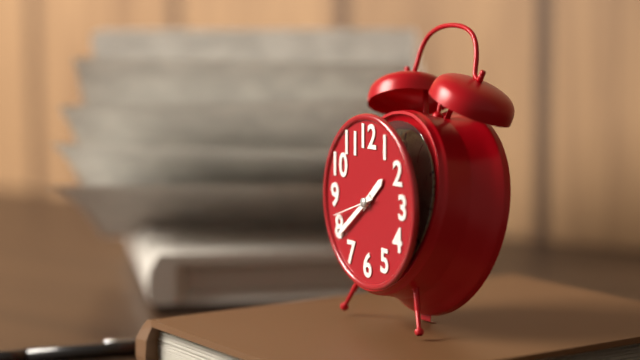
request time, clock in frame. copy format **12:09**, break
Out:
**1:39**
